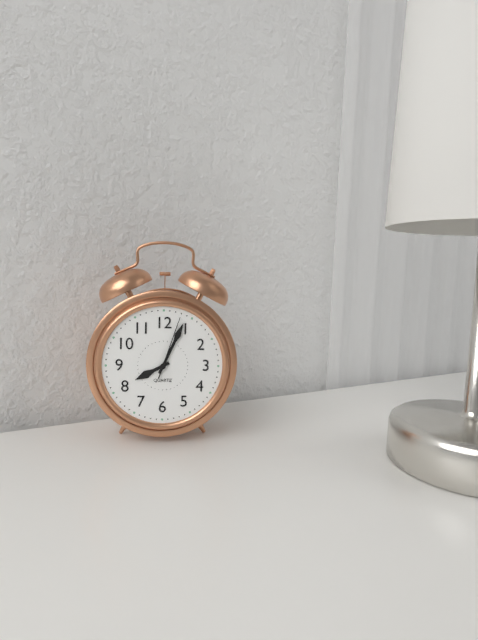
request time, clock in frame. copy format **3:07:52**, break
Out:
**8:04:03**
